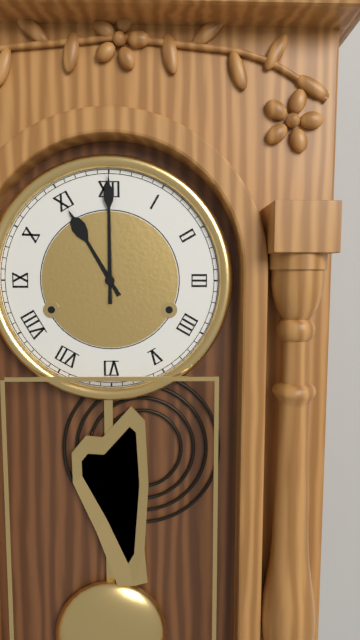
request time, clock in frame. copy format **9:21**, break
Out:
**11:00**
